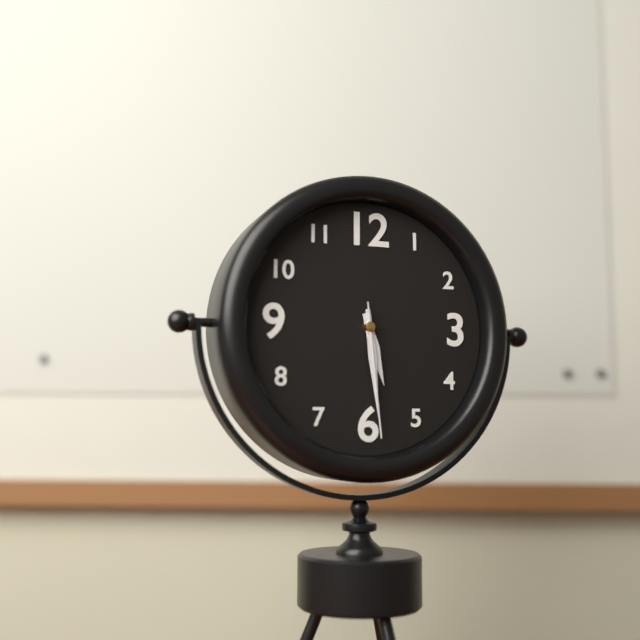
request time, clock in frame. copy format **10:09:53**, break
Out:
**5:29:29**
